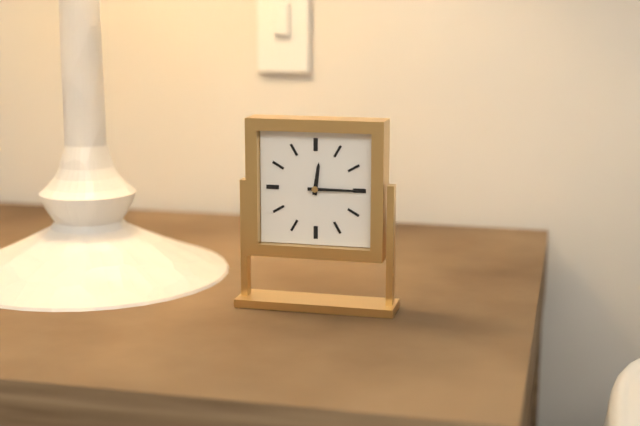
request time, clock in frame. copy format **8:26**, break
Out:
**12:15**
